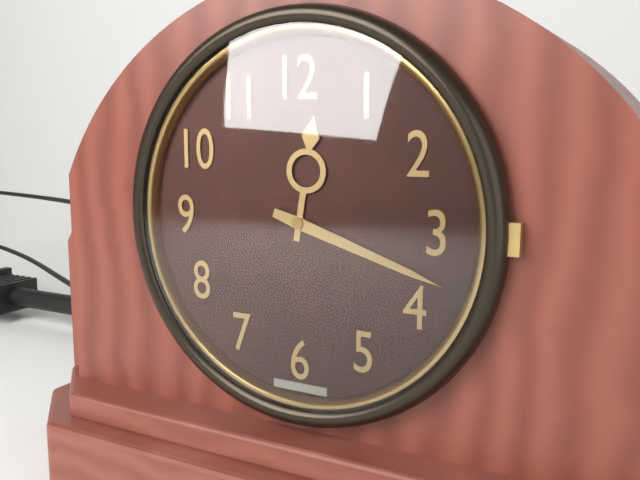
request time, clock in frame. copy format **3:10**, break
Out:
**12:18**
